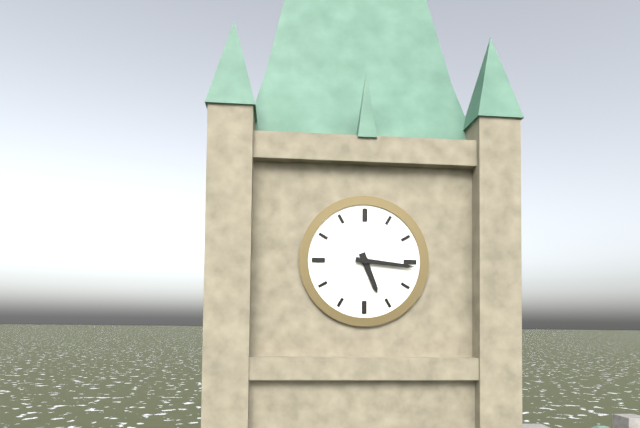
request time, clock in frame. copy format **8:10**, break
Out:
**5:16**
